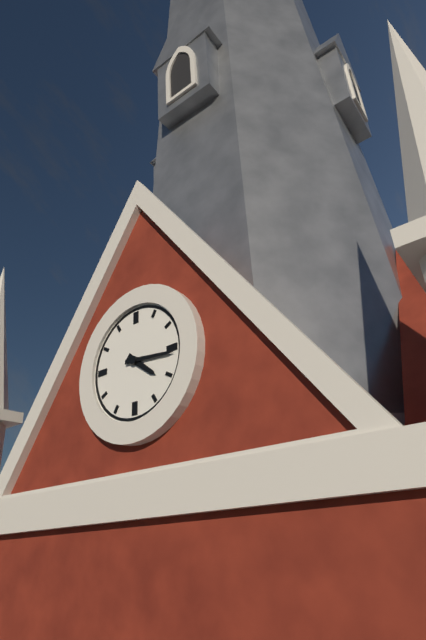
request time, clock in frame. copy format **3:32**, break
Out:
**4:16**
